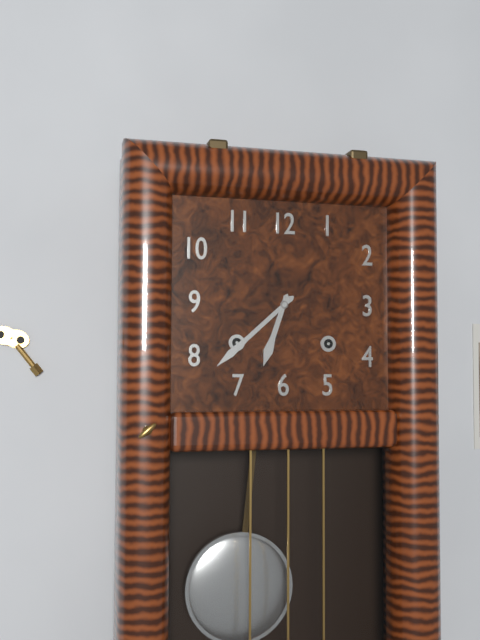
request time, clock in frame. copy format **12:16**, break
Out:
**6:38**
